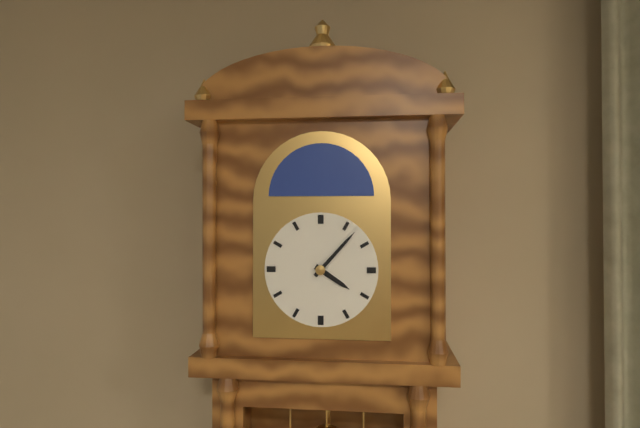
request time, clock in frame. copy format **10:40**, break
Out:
**4:07**
